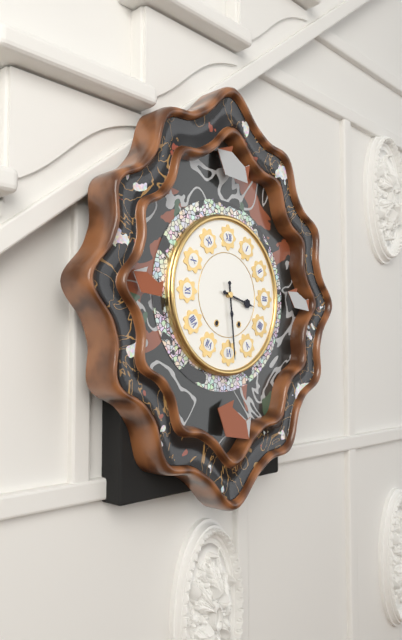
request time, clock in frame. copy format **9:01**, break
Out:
**3:29**
